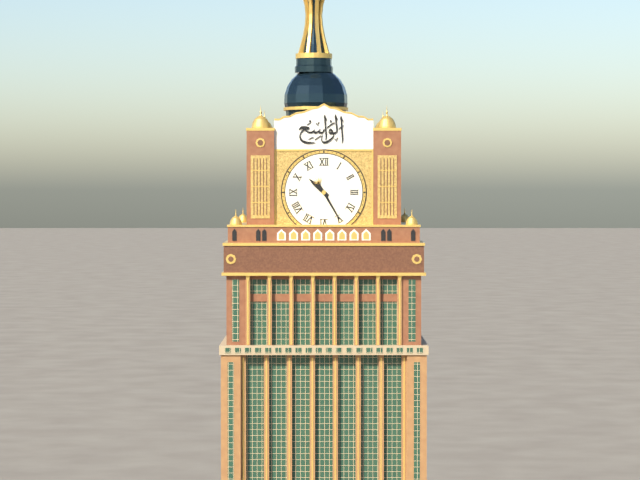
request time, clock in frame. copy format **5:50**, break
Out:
**10:25**
